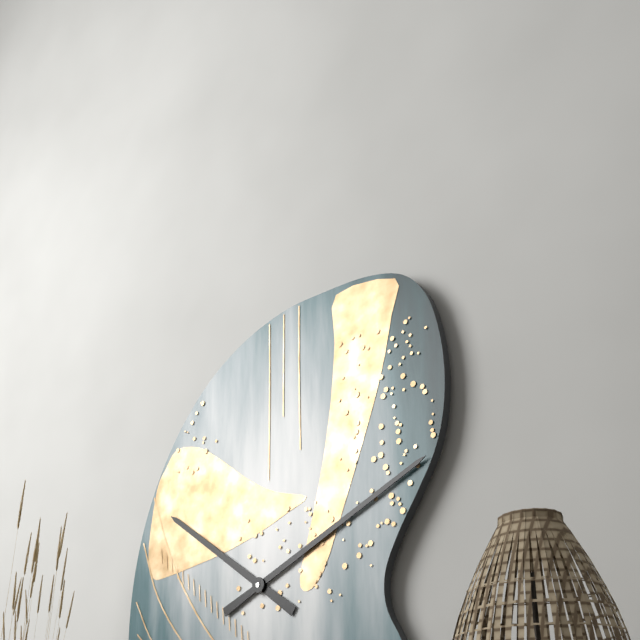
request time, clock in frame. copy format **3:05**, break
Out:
**10:11**
